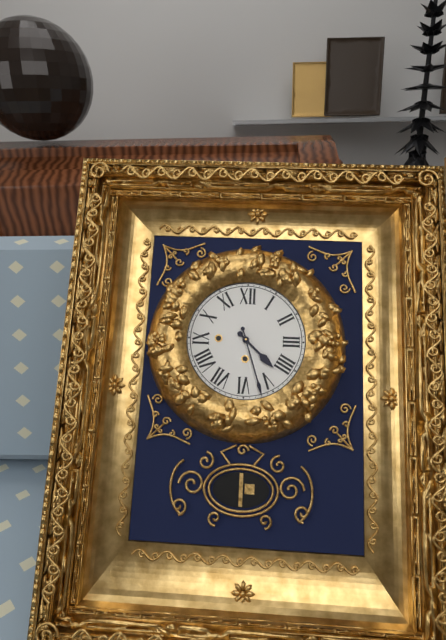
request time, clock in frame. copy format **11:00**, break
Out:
**4:27**
